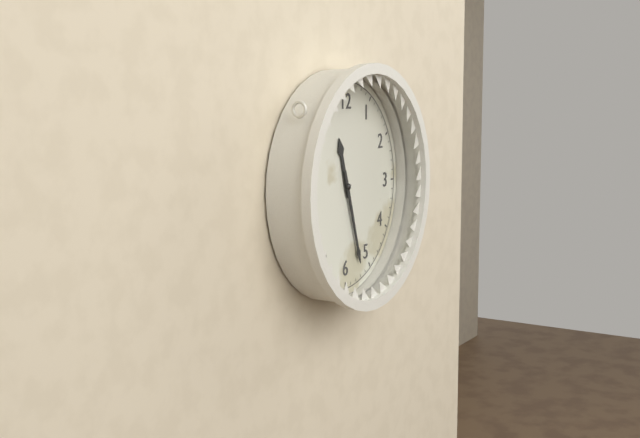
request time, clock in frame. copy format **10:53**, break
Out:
**11:27**
